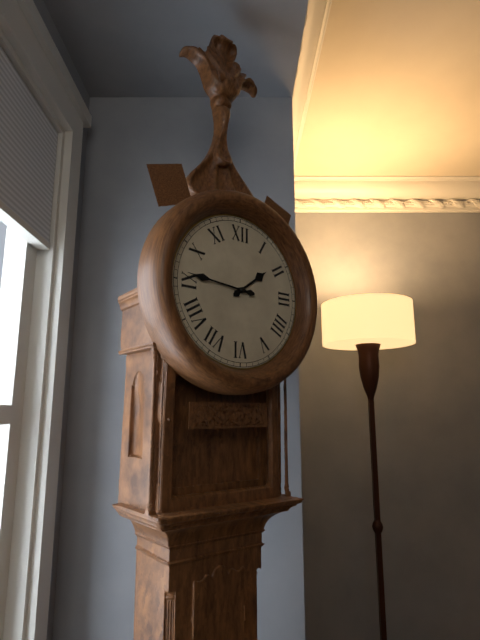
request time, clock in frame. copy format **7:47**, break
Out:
**1:46**
